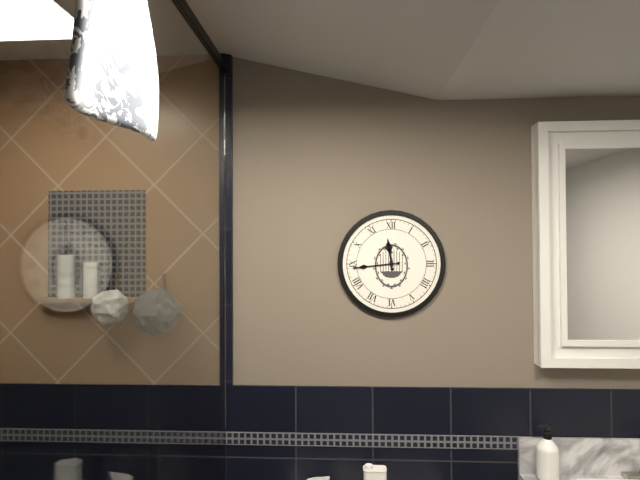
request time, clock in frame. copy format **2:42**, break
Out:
**11:44**
